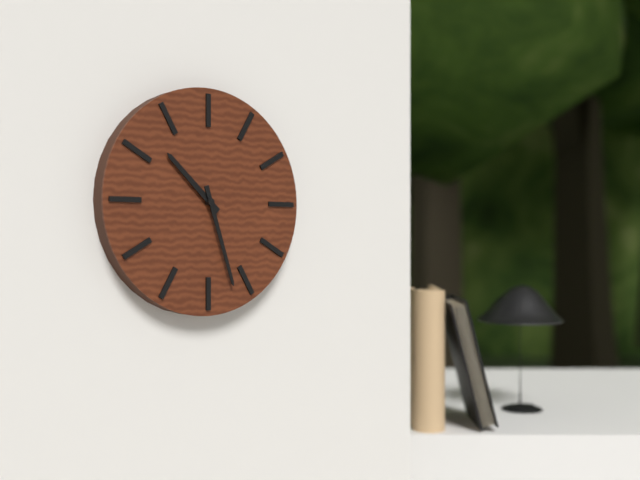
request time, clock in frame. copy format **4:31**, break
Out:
**10:27**
